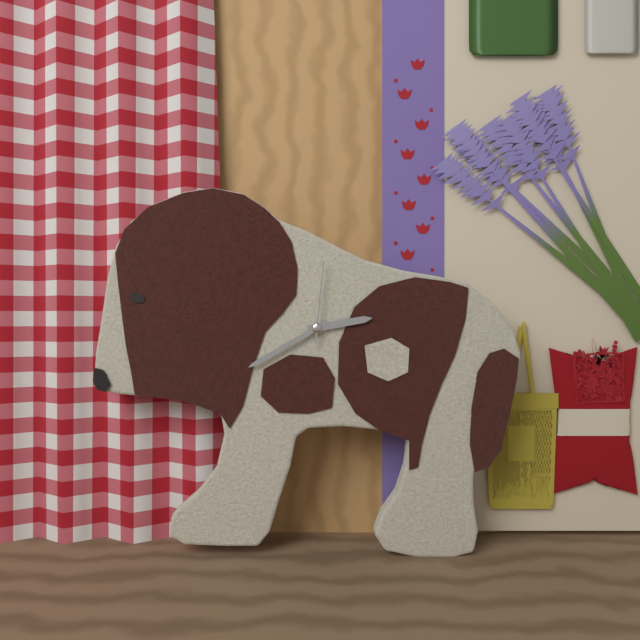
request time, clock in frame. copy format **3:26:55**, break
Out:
**2:40:01**
